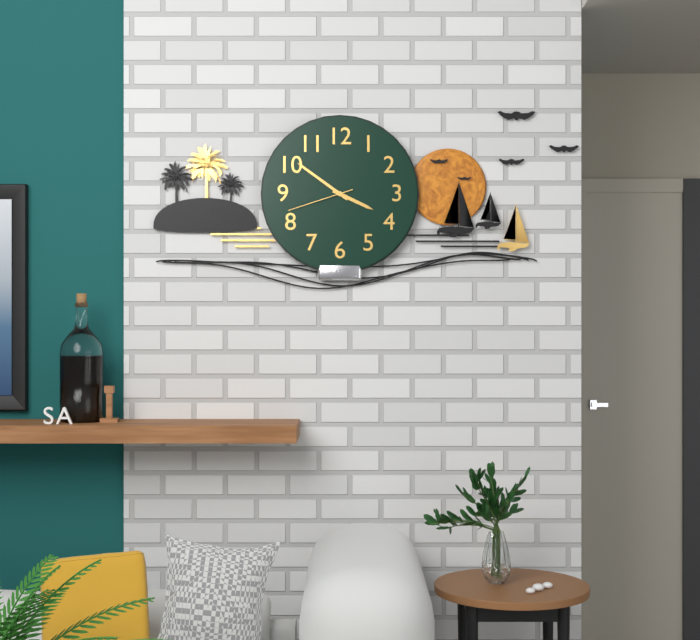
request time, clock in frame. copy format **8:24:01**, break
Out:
**3:51:42**
